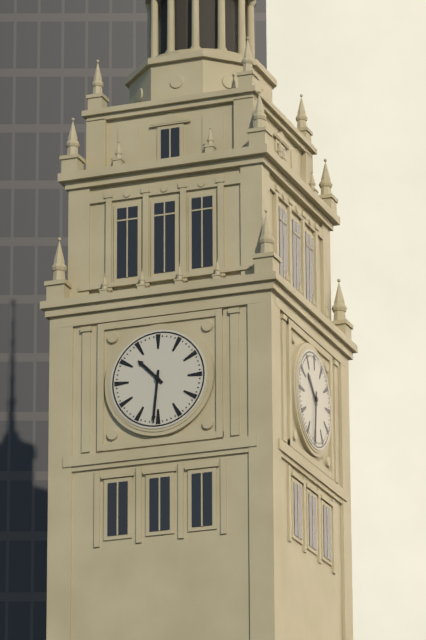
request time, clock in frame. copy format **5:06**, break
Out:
**10:31**
